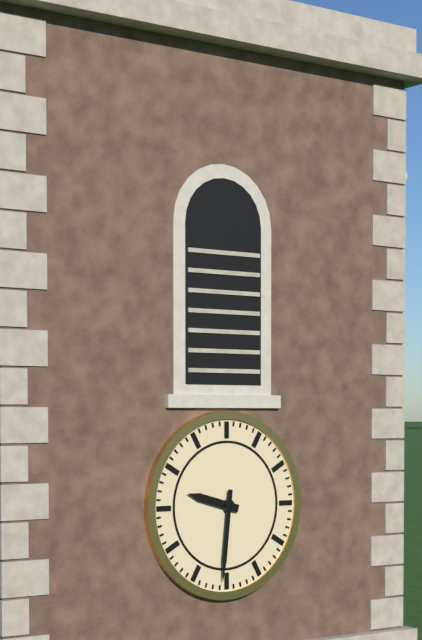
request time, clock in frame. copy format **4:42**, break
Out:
**9:31**
